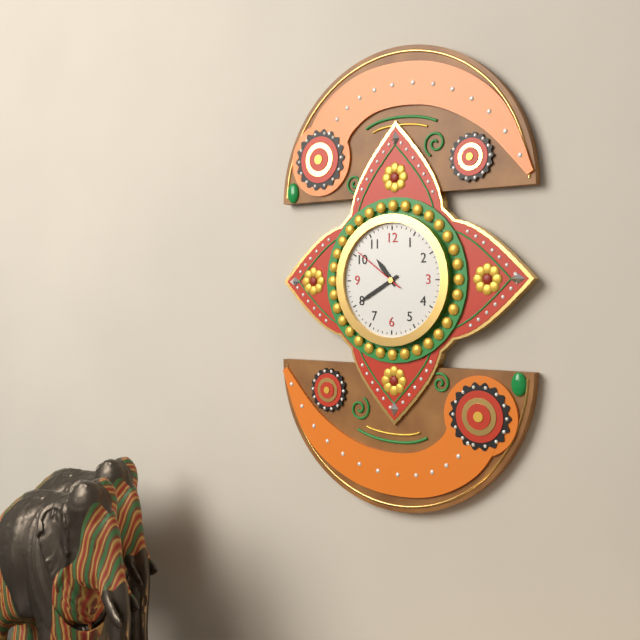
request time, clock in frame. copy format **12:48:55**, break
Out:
**10:40:51**
